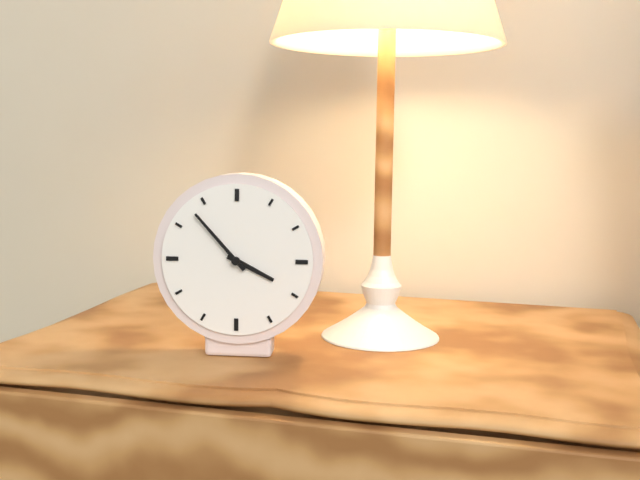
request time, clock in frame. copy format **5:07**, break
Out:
**3:53**
